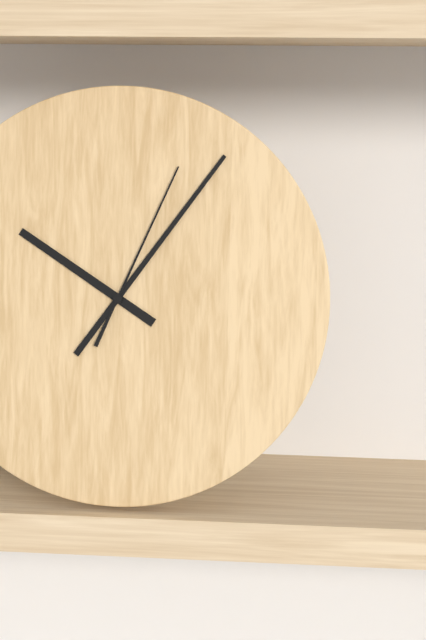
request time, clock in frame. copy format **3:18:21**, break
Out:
**10:06:04**
